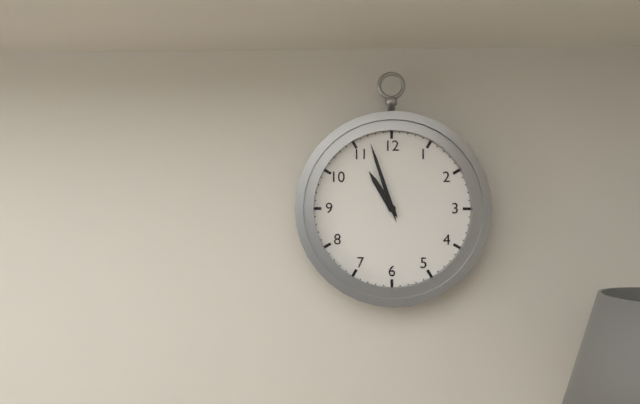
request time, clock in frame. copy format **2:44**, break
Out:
**10:57**
